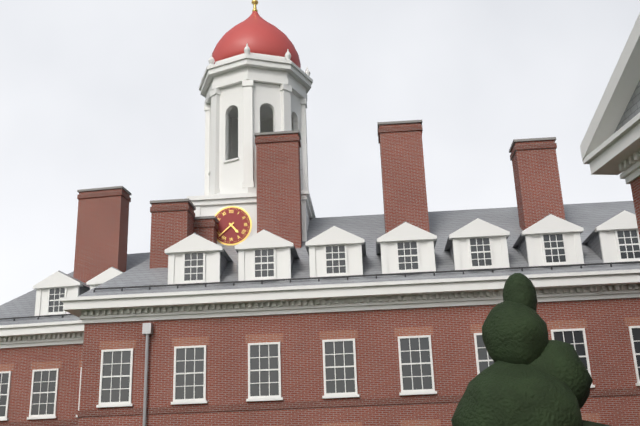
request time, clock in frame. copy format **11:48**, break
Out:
**4:38**
